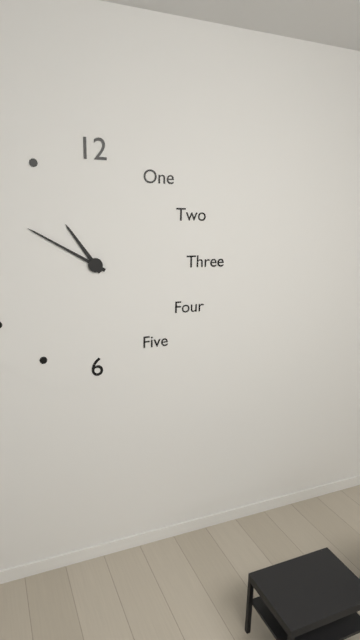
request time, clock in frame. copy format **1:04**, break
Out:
**10:50**
